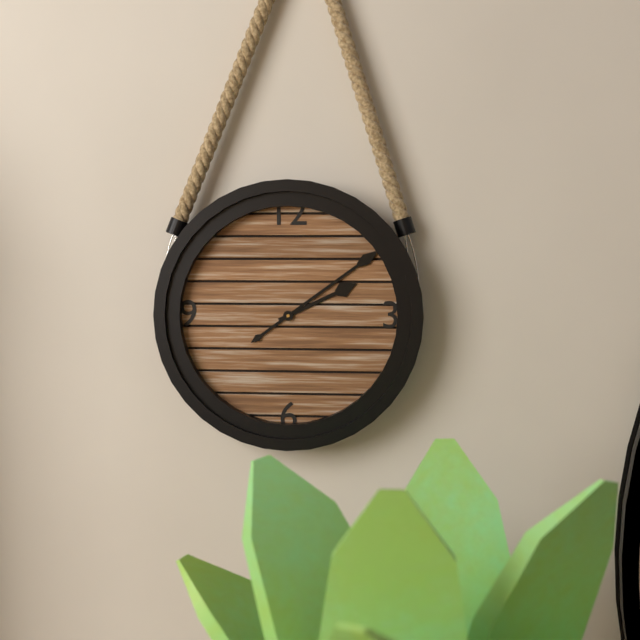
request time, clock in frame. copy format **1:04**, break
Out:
**2:09**
